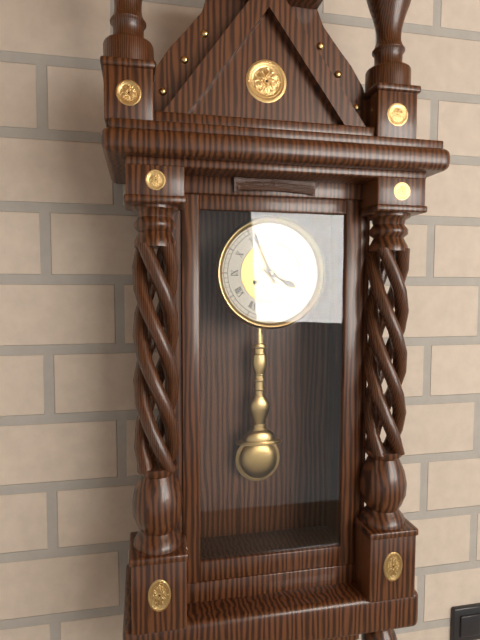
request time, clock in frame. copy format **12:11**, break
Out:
**3:56**
